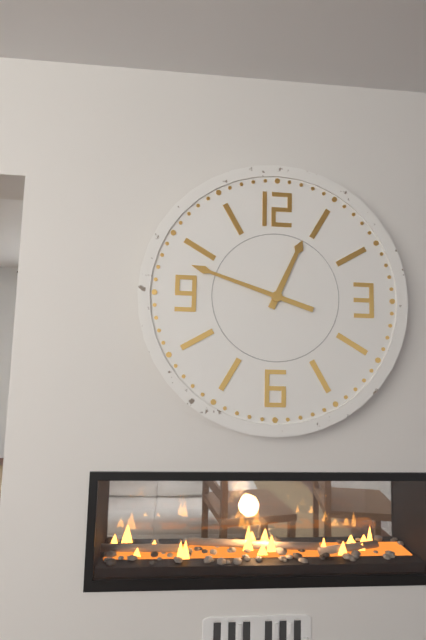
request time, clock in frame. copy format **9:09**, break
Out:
**12:48**
